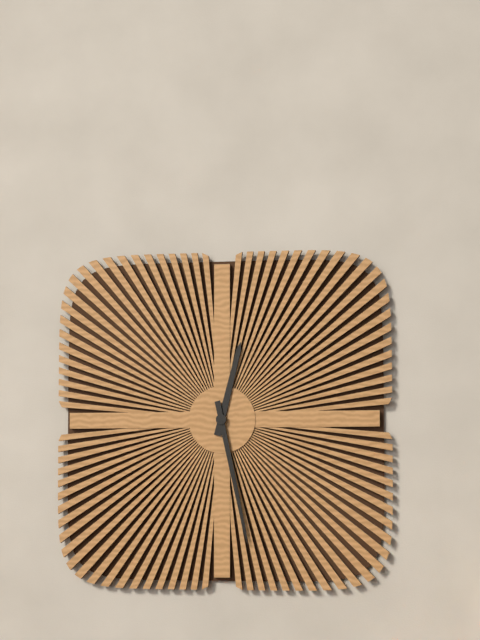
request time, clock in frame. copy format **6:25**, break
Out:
**12:28**
